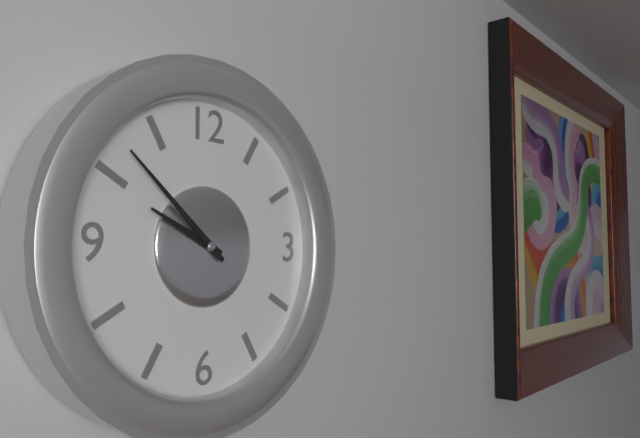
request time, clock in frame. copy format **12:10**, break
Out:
**9:52**
